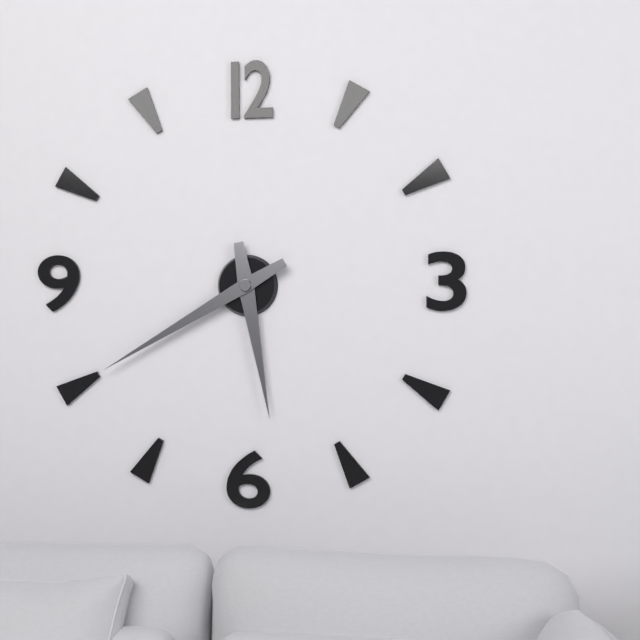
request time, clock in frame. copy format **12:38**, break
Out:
**5:40**
